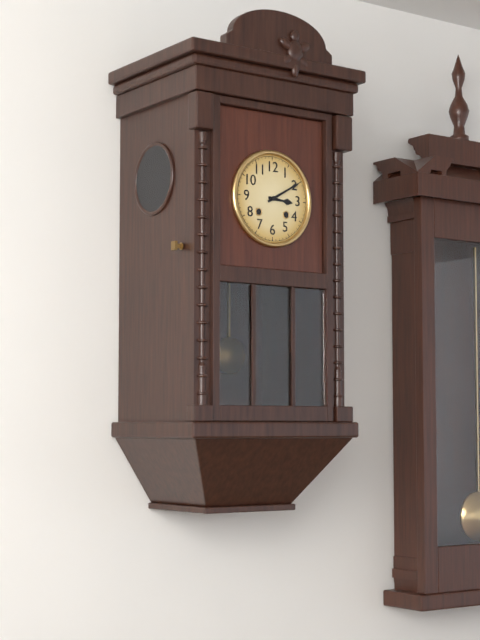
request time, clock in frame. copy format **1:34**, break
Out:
**3:10**
